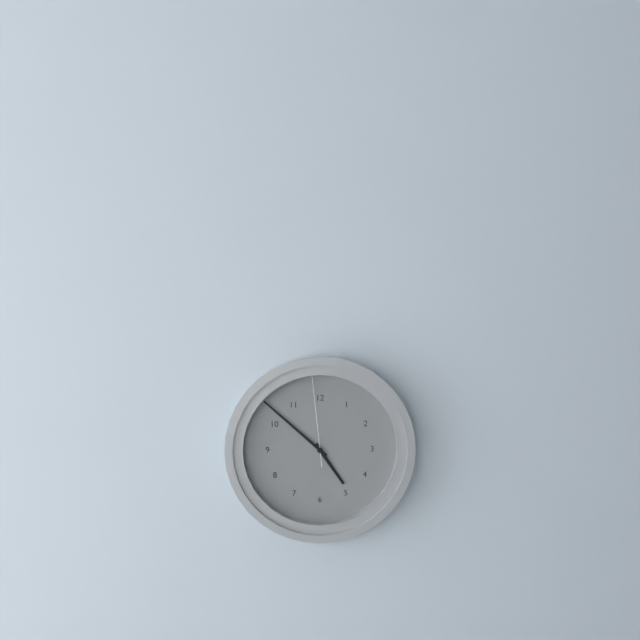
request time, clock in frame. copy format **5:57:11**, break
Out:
**4:52:59**
